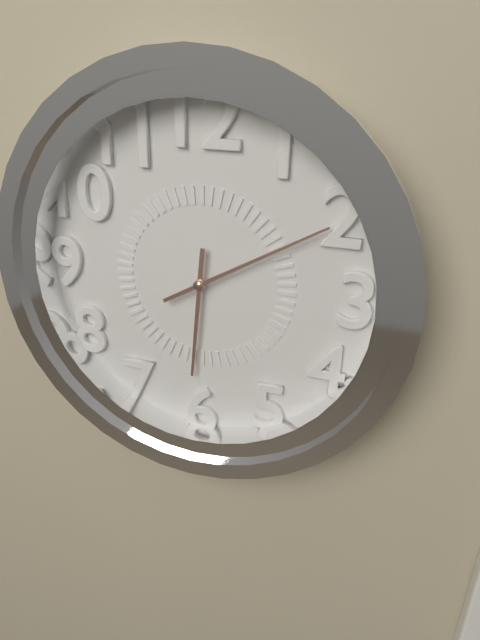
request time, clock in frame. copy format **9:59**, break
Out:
**6:10**
